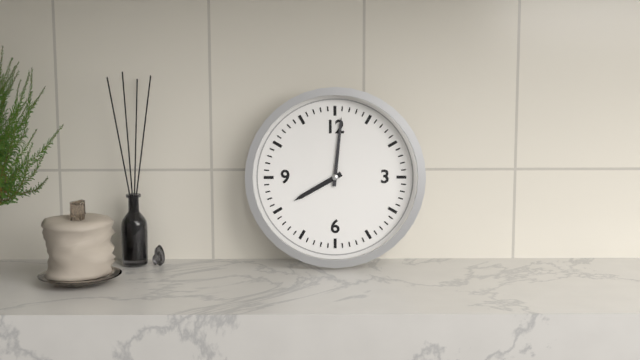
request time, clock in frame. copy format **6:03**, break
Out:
**8:01**
